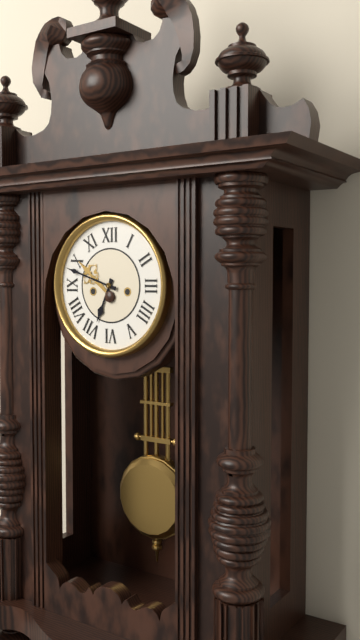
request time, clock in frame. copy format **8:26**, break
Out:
**6:48**
